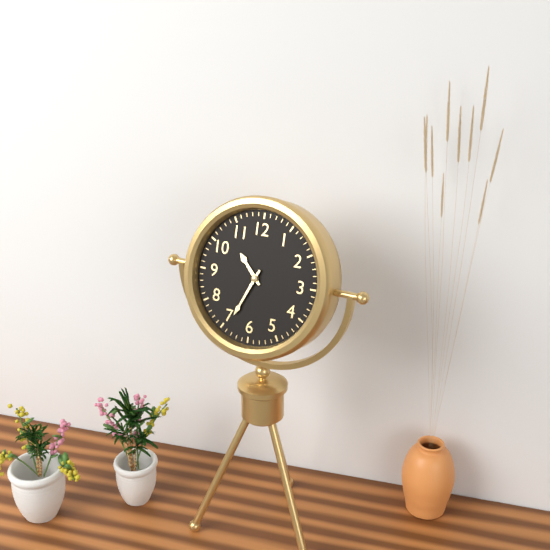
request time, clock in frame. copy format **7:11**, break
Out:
**10:34**
